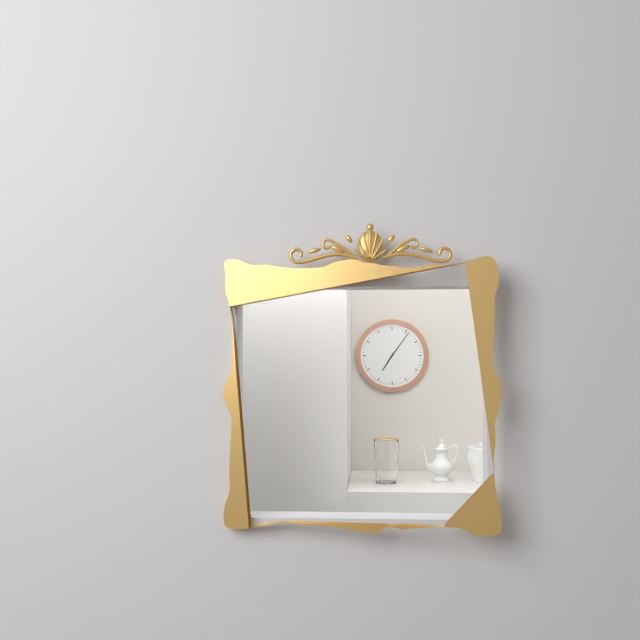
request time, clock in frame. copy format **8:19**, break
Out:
**7:06**
